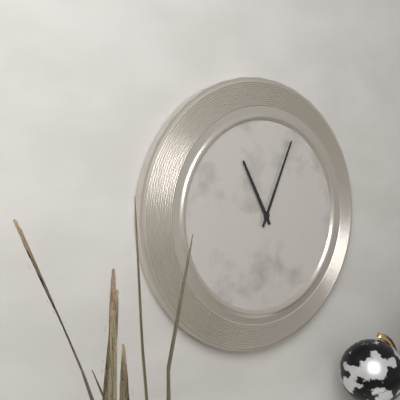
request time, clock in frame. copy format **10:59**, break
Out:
**11:04**
